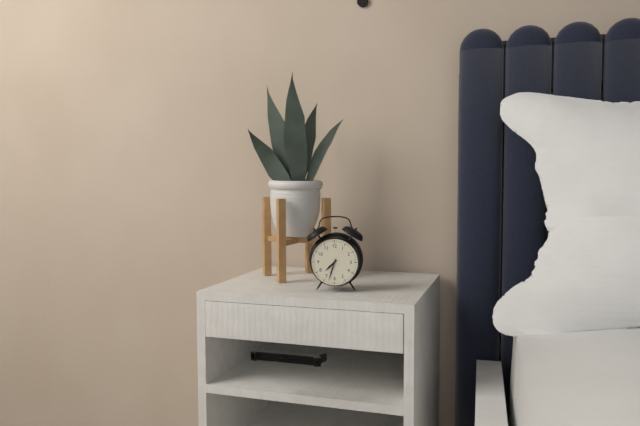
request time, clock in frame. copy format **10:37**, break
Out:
**7:33**
